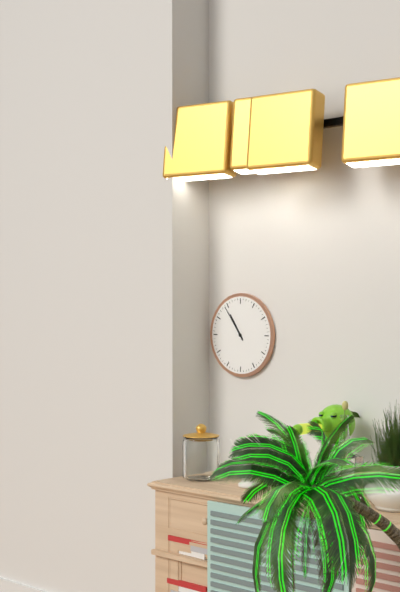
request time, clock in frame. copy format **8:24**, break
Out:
**10:54**
